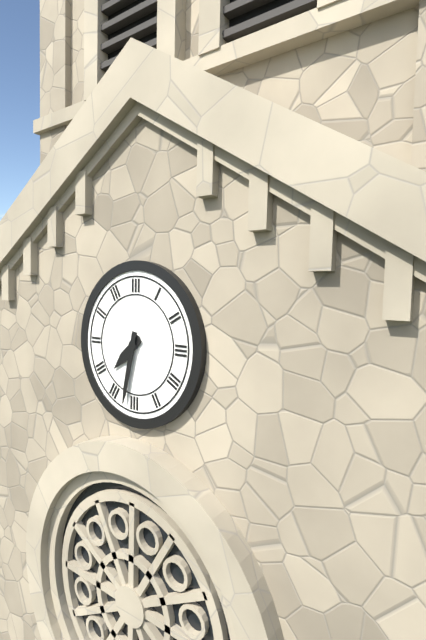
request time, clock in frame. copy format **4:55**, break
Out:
**7:32**
